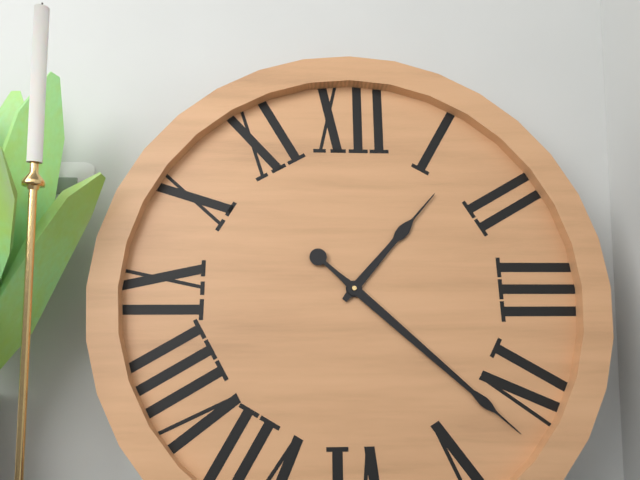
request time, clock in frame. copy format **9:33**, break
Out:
**1:22**
